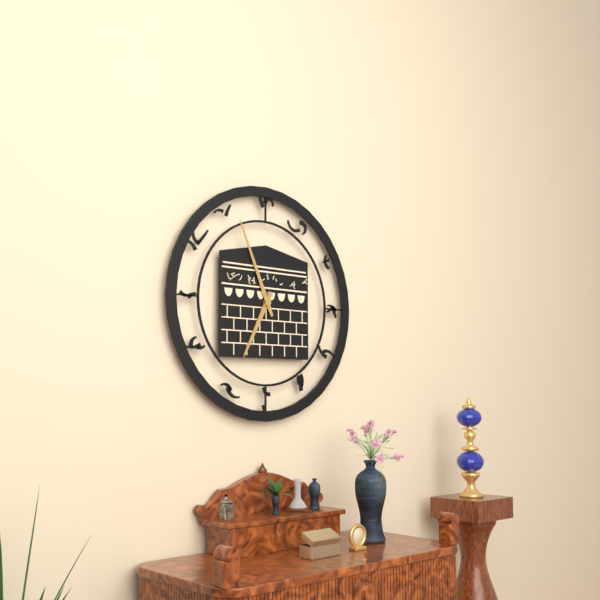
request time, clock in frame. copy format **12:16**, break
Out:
**6:56**
